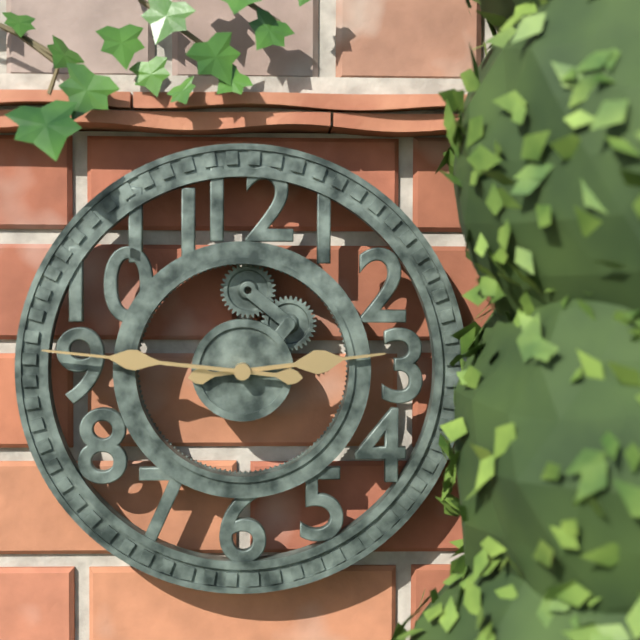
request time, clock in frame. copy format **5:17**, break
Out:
**2:46**
